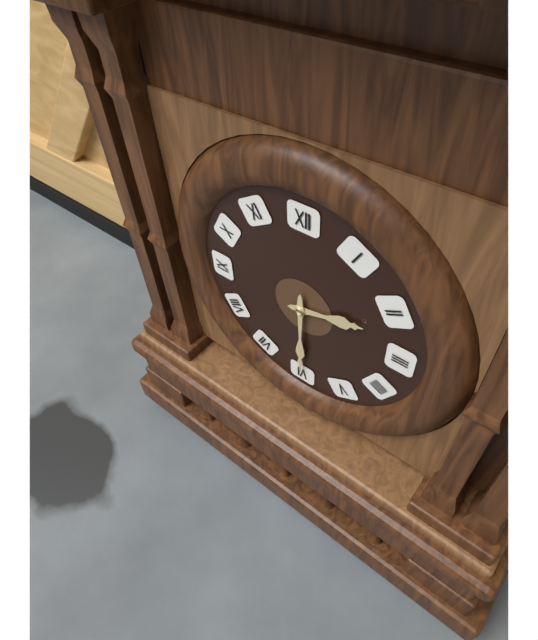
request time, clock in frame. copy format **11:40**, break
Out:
**2:30**
